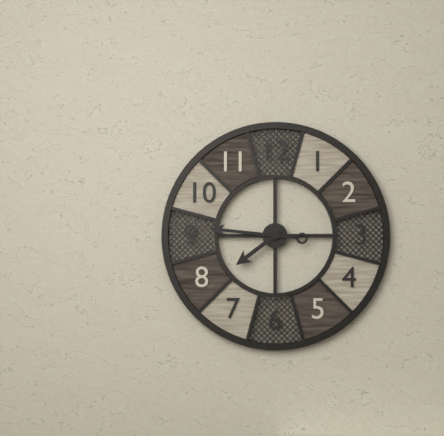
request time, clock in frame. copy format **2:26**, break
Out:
**7:46**
